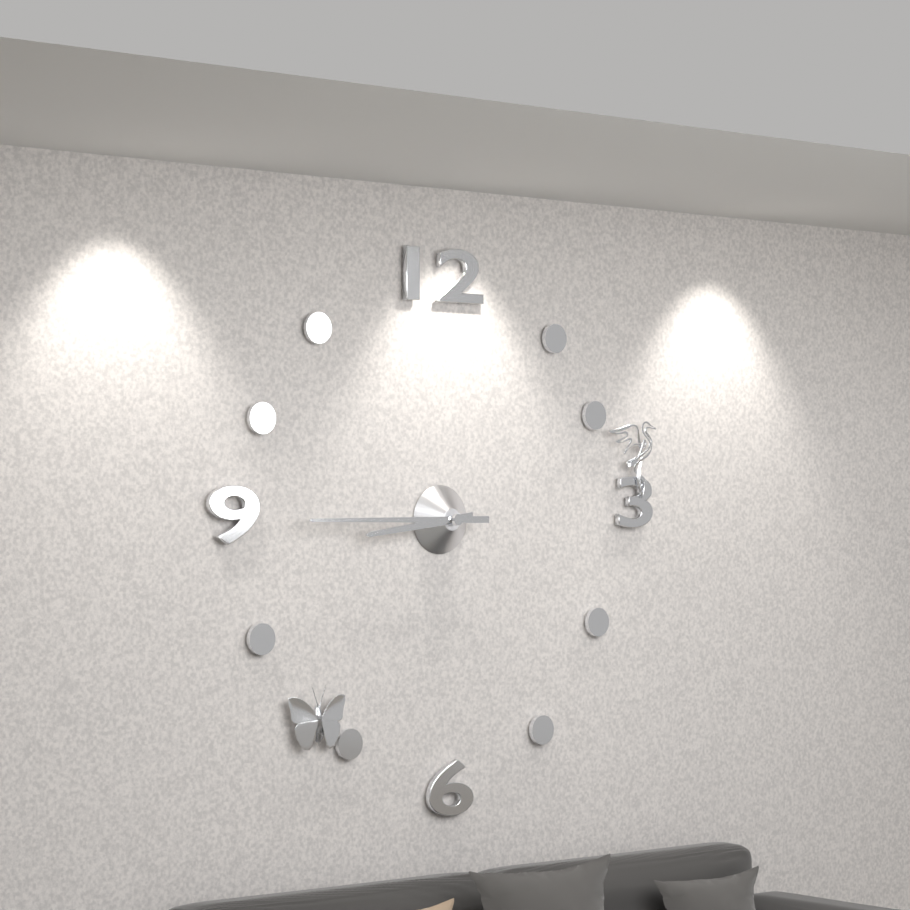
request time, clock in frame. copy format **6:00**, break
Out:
**8:45**
